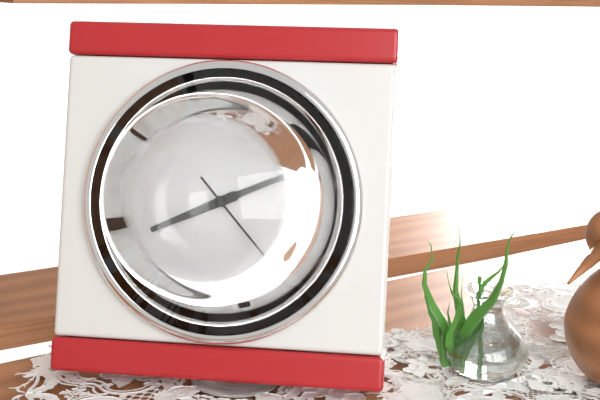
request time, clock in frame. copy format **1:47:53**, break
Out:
**8:11:23**
